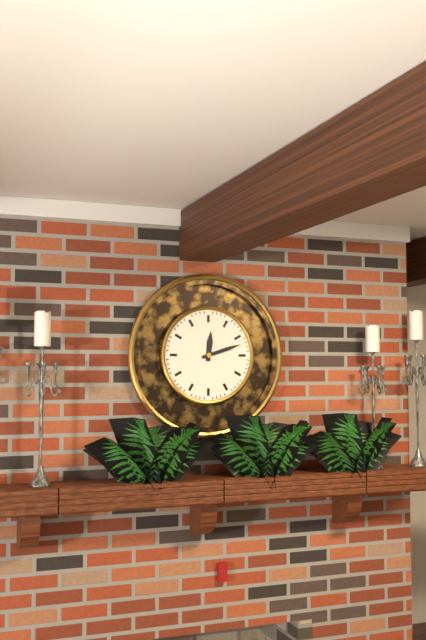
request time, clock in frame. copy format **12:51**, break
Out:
**12:12**
